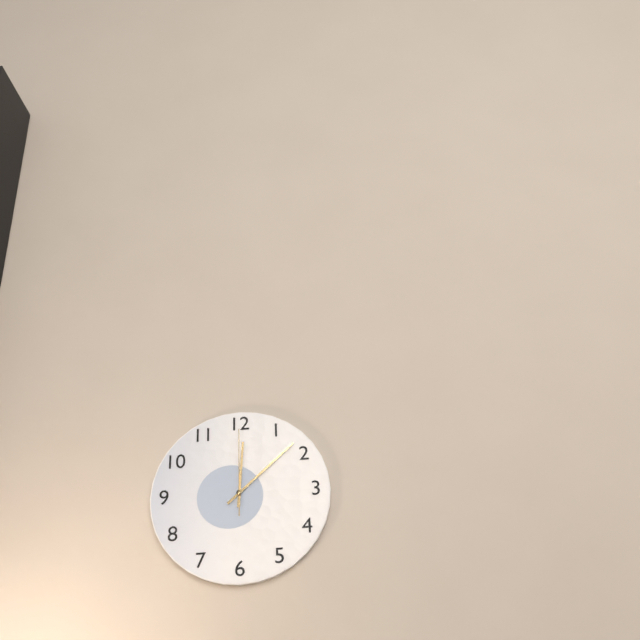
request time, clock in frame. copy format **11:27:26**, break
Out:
**12:08:00**
